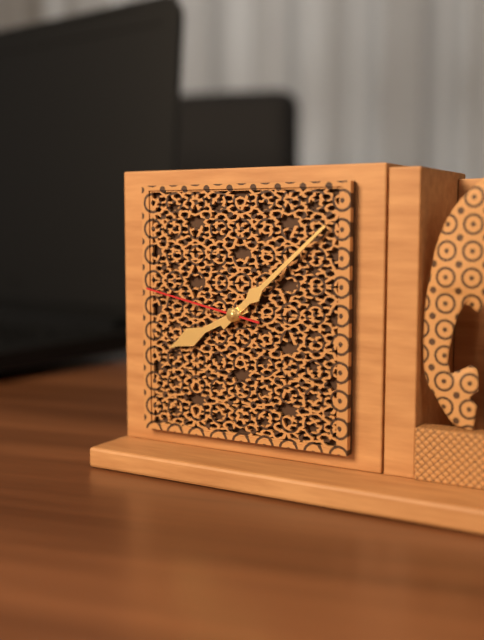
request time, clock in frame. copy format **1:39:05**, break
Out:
**8:08:47**
